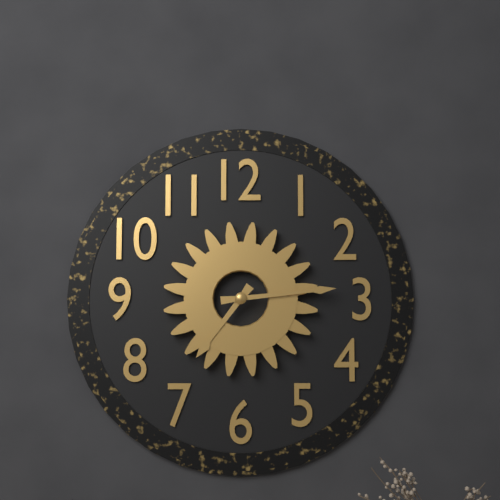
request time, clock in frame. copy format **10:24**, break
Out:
**7:14**
